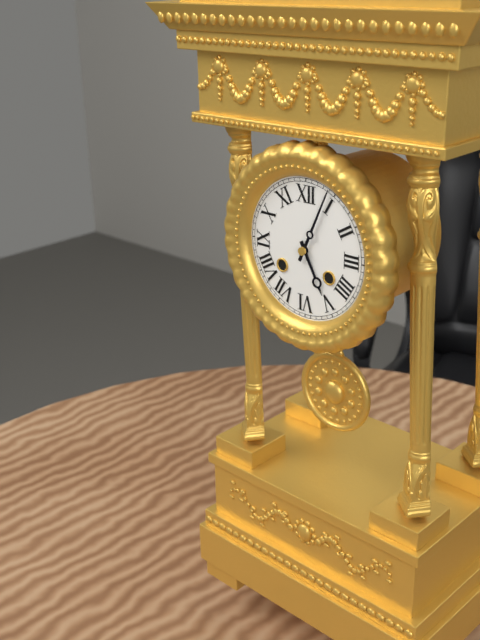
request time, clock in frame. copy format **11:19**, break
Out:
**5:04**
